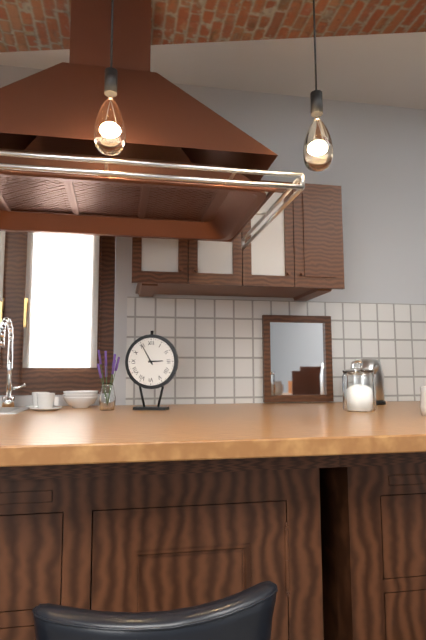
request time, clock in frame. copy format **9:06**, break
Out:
**2:55**
